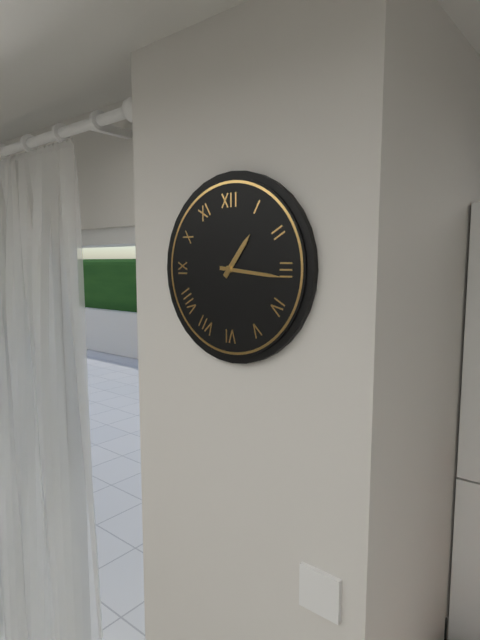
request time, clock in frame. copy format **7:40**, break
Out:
**1:16**
